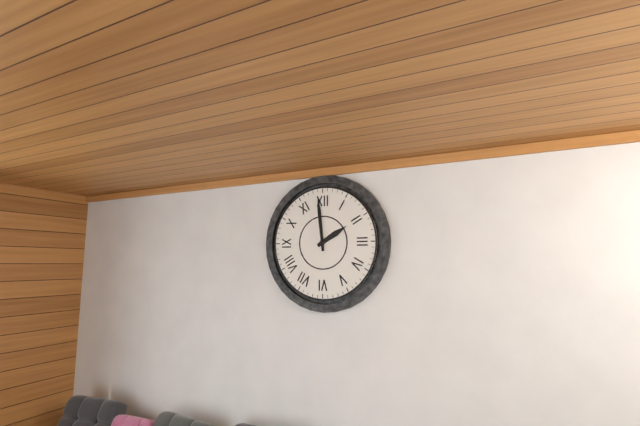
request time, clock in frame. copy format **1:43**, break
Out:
**1:59**
